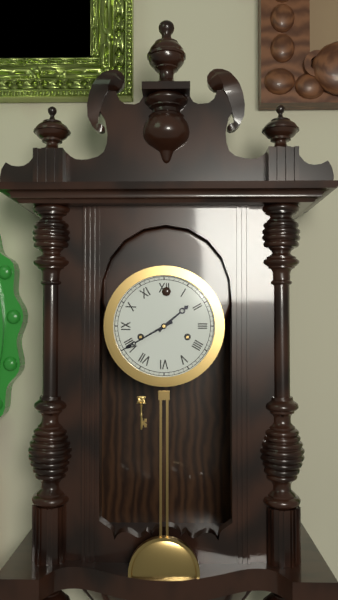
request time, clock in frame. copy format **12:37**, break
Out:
**1:40**
